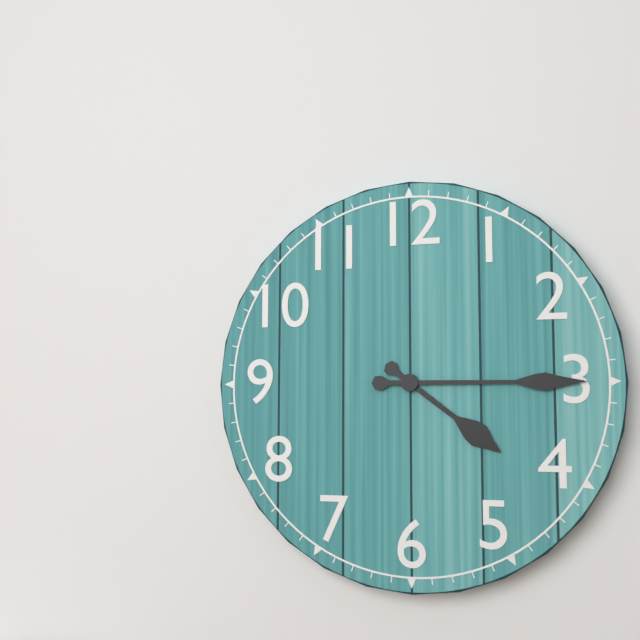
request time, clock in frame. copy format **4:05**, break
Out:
**4:15**
